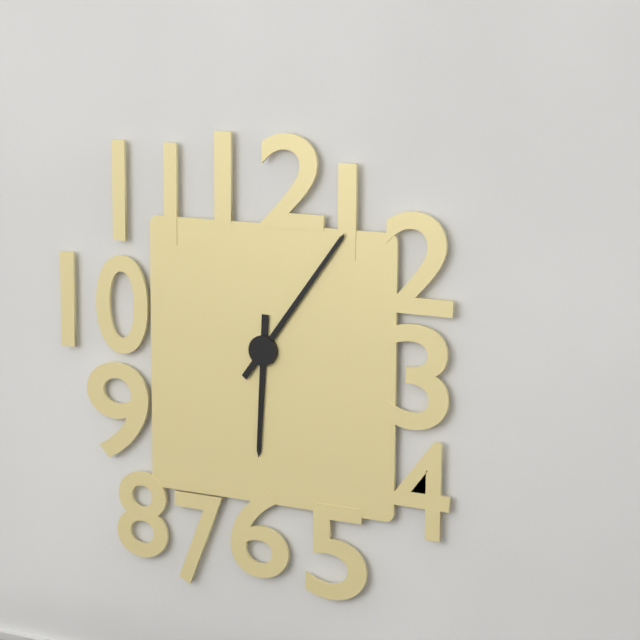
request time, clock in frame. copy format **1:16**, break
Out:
**6:06**
